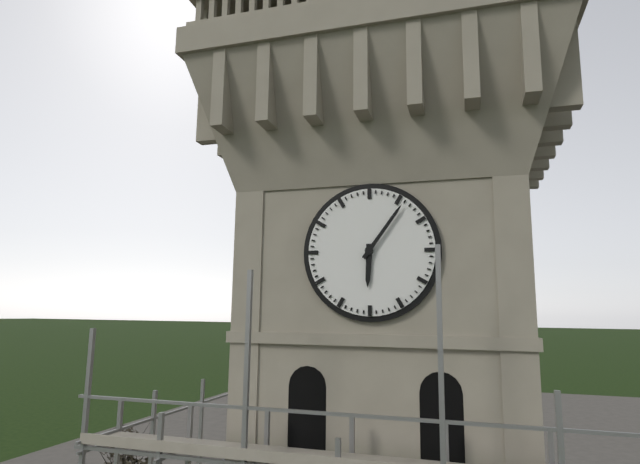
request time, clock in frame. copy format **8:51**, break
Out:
**6:06**
